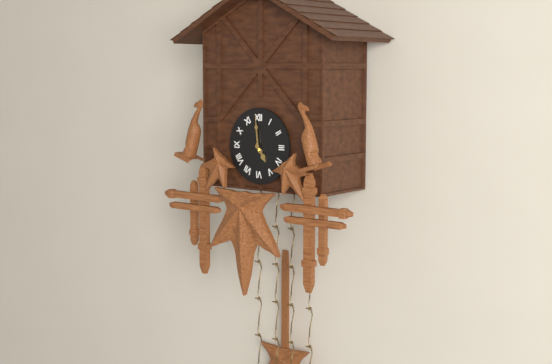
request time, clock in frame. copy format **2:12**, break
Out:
**4:59**
